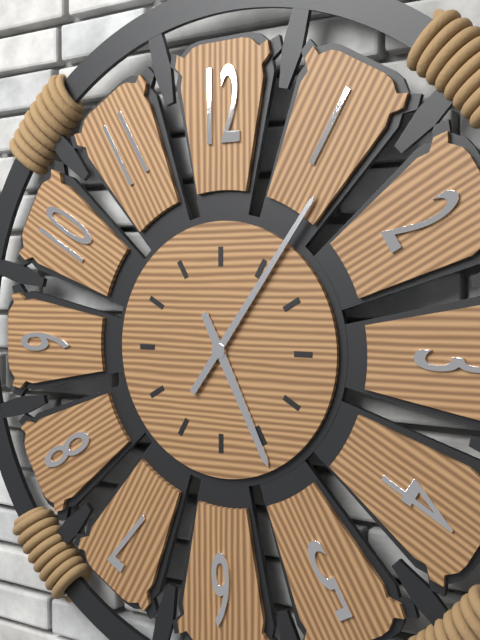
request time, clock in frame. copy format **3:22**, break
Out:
**5:06**
